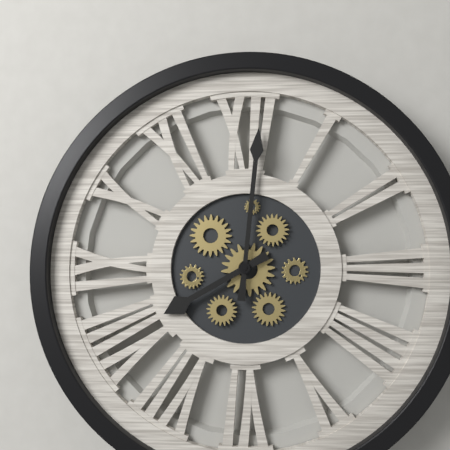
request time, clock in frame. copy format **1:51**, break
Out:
**8:01**
